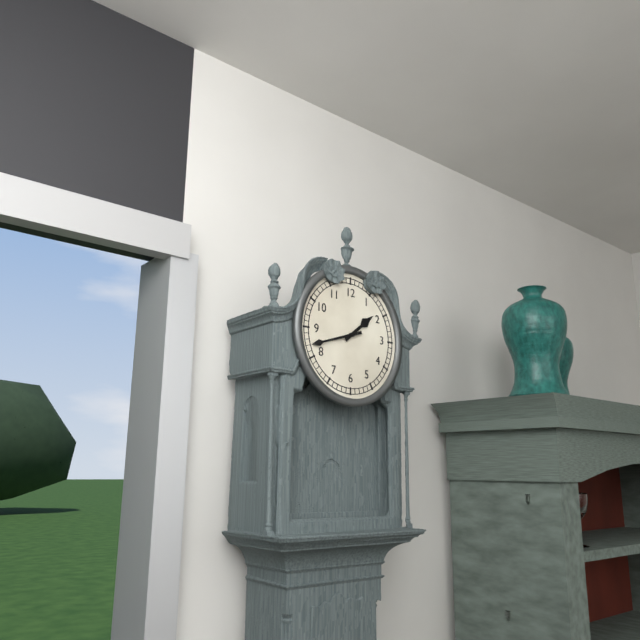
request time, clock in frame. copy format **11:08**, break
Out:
**1:42**
